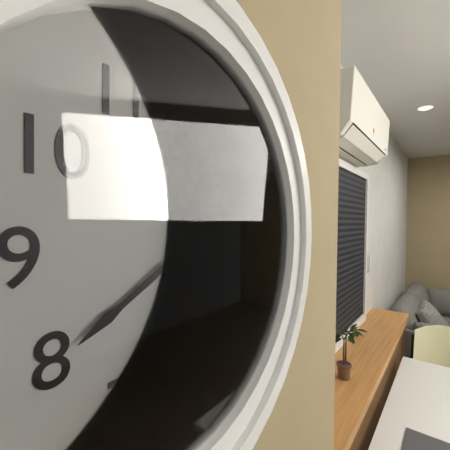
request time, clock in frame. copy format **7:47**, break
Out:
**3:40**
